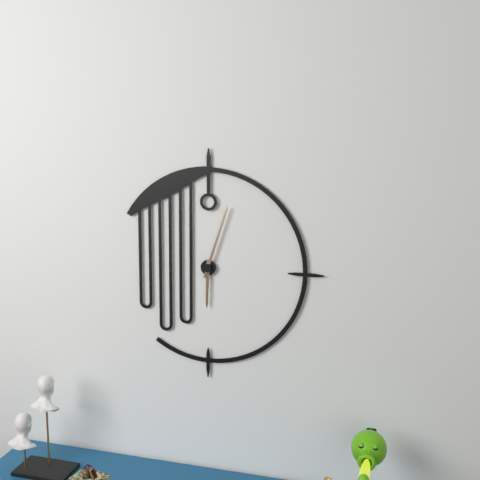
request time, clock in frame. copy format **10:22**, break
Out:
**6:03**
